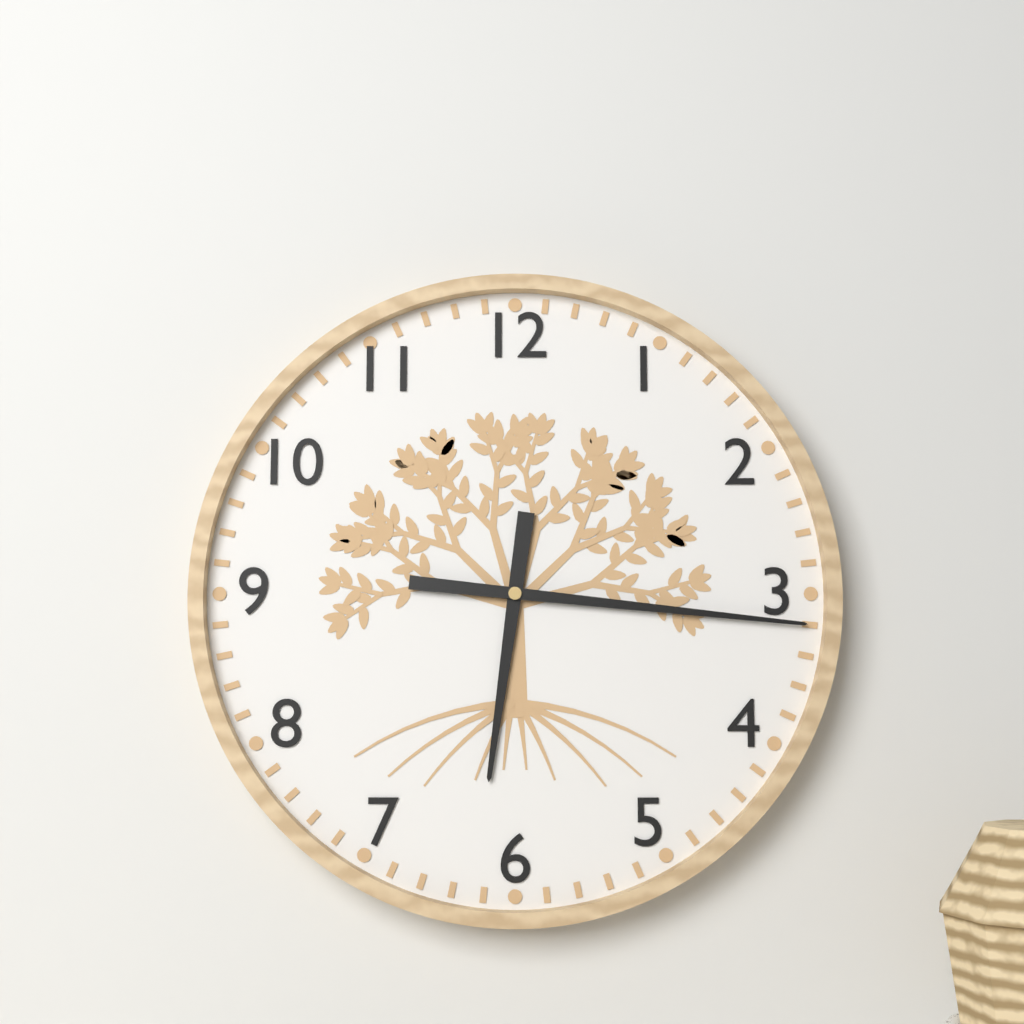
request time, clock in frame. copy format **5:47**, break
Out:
**6:16**
